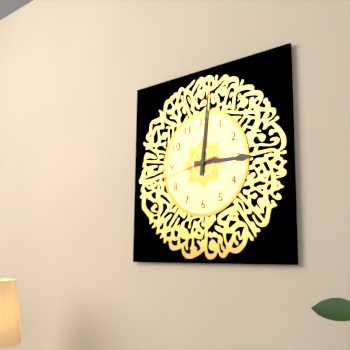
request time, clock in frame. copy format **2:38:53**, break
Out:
**3:01:43**
